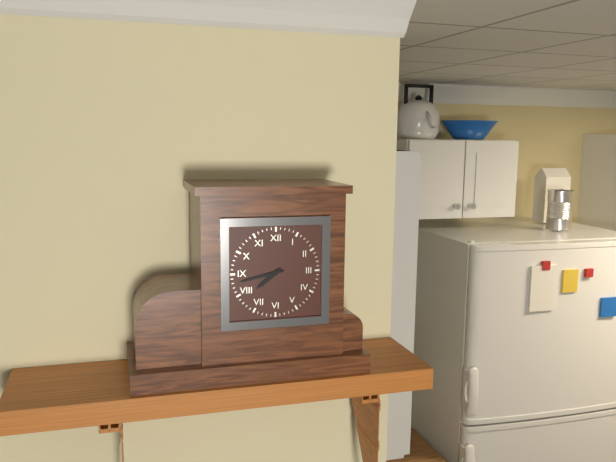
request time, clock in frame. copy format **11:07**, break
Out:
**7:43**
